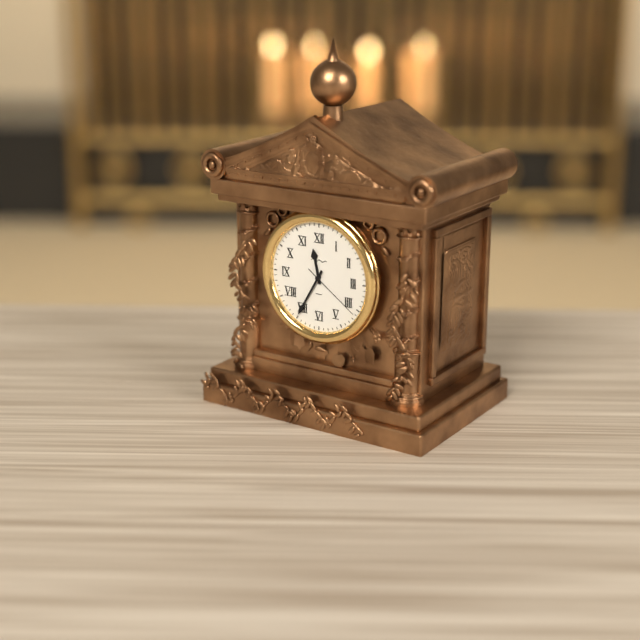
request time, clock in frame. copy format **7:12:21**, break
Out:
**11:35:21**
